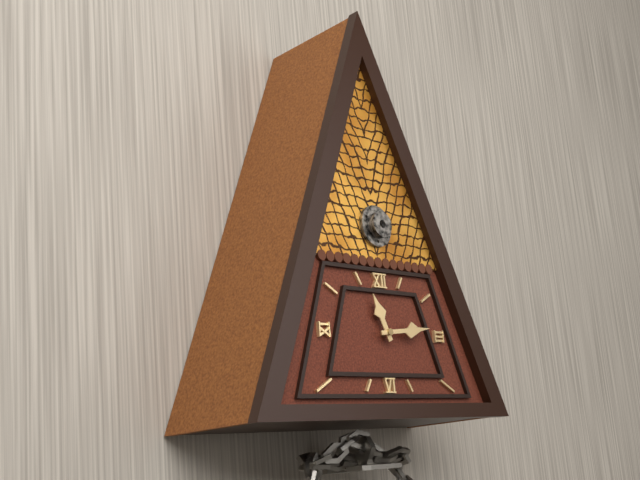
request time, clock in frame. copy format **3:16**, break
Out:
**11:14**
